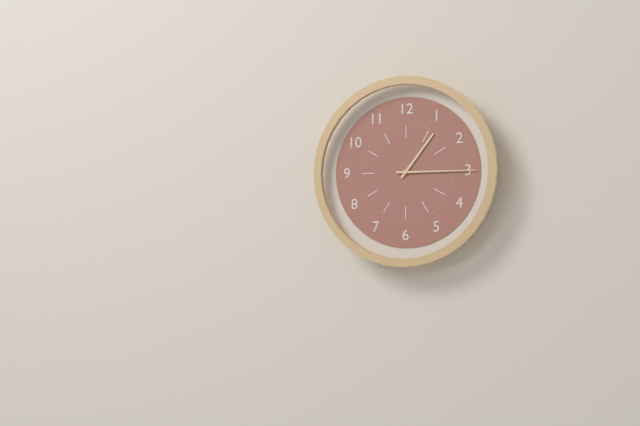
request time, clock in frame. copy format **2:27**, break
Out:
**1:15**
